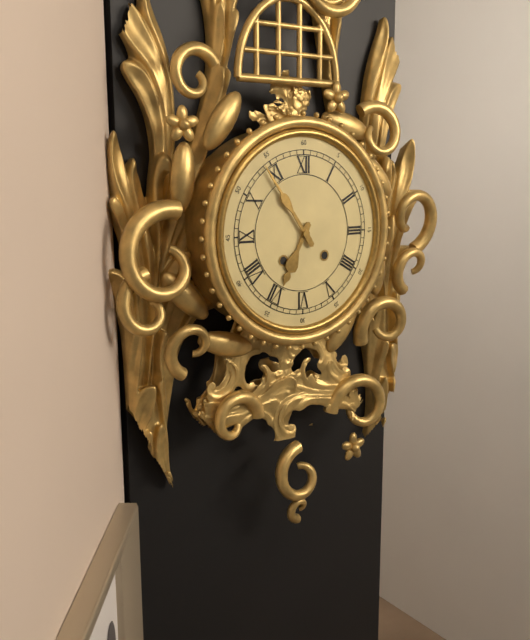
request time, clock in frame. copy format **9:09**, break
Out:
**6:54**
